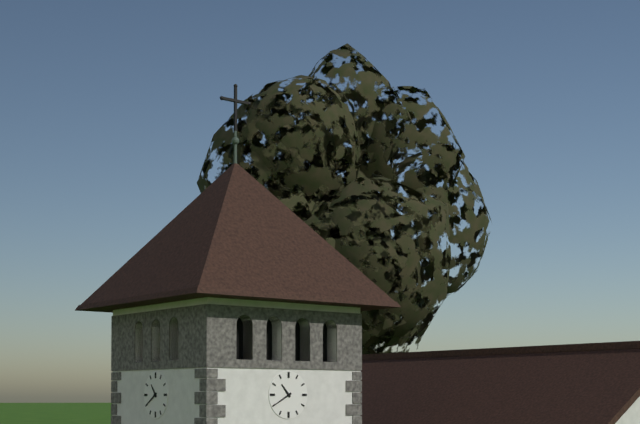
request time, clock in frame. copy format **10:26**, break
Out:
**10:40**
